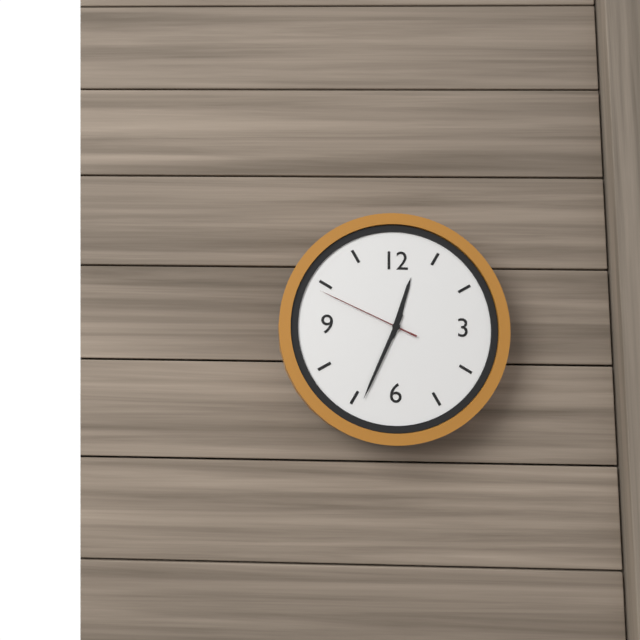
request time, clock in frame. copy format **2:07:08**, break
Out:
**12:34:49**
